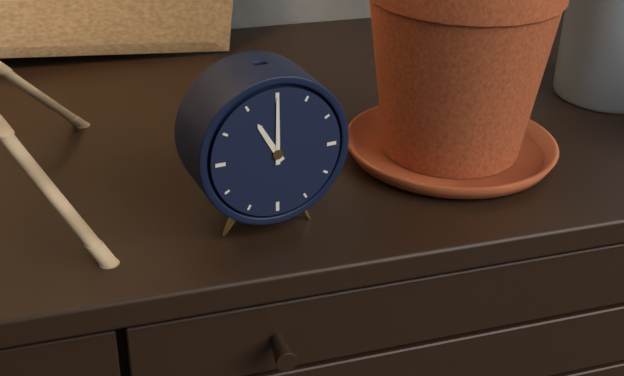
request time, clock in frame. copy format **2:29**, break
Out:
**11:00**
